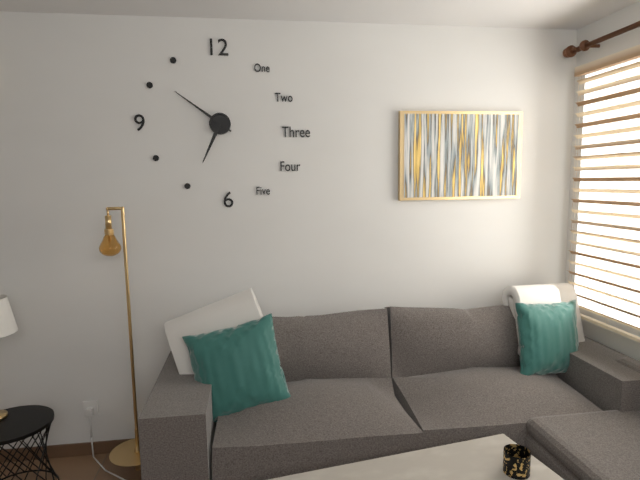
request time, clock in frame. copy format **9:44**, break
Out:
**6:51**
